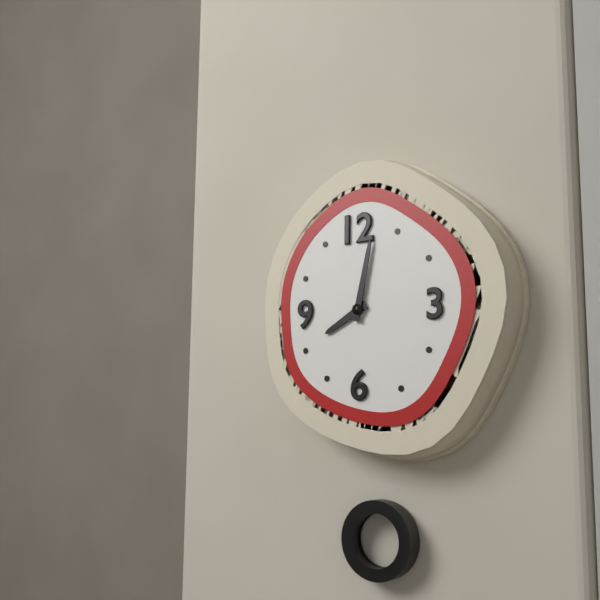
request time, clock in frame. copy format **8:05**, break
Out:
**8:02**
